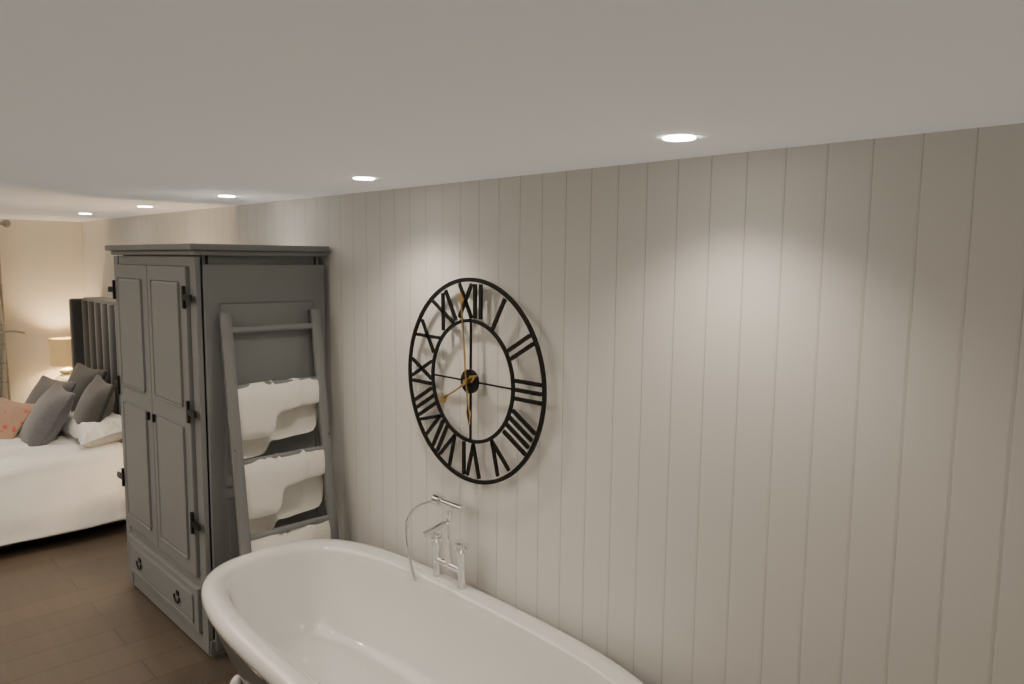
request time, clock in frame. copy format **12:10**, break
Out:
**7:59**
